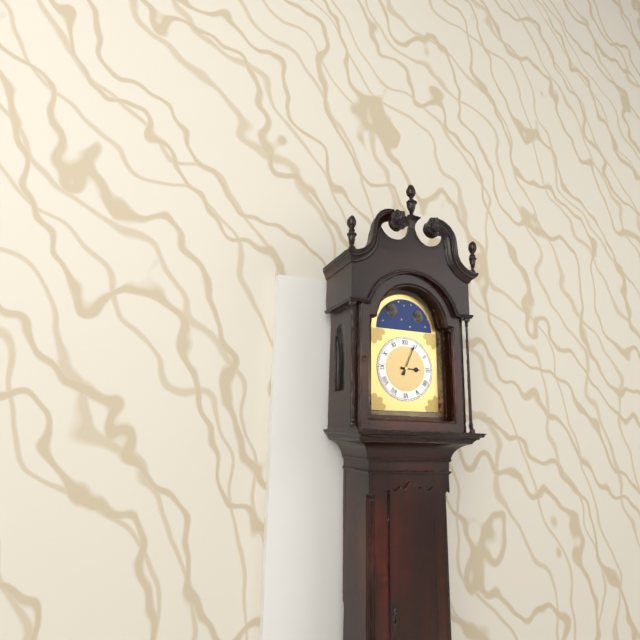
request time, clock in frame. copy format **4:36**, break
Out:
**3:04**
